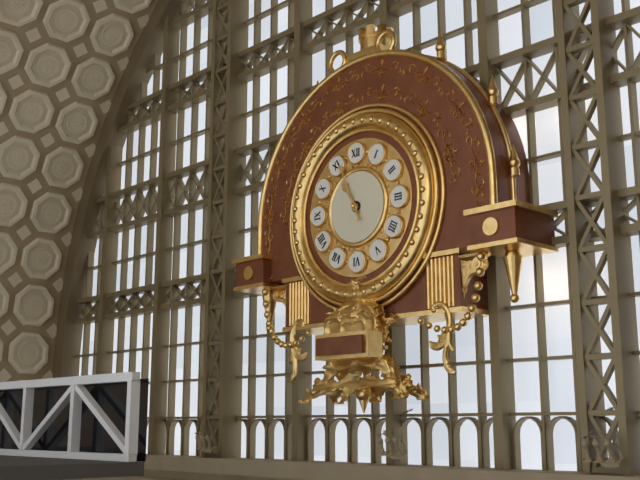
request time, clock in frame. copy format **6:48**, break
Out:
**10:56**
